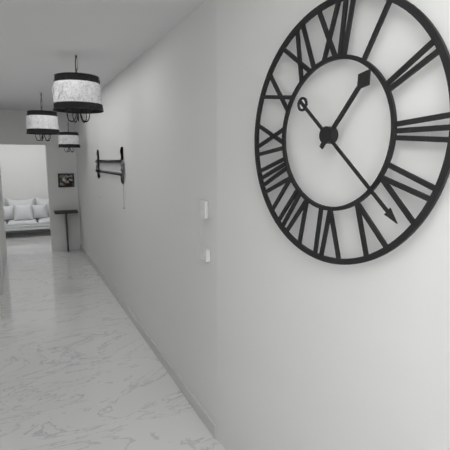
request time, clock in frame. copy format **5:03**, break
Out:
**1:22**
